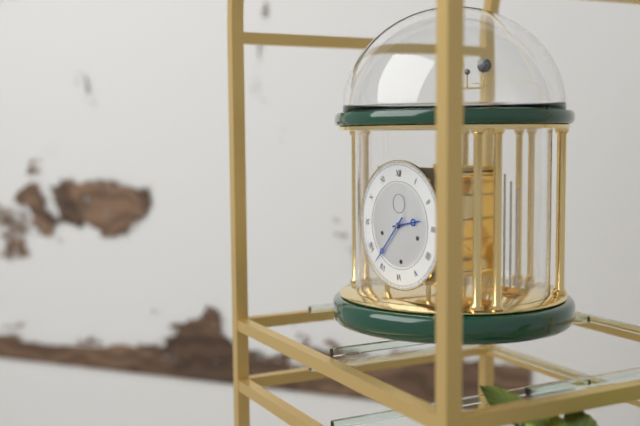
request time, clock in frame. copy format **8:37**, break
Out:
**2:37**
